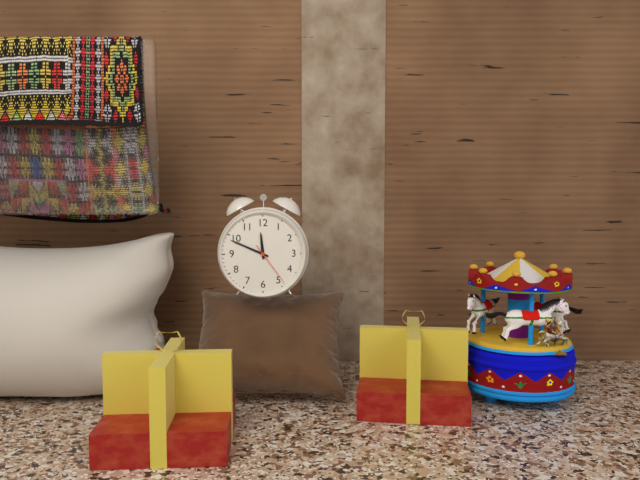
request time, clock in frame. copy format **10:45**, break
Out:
**11:49**
